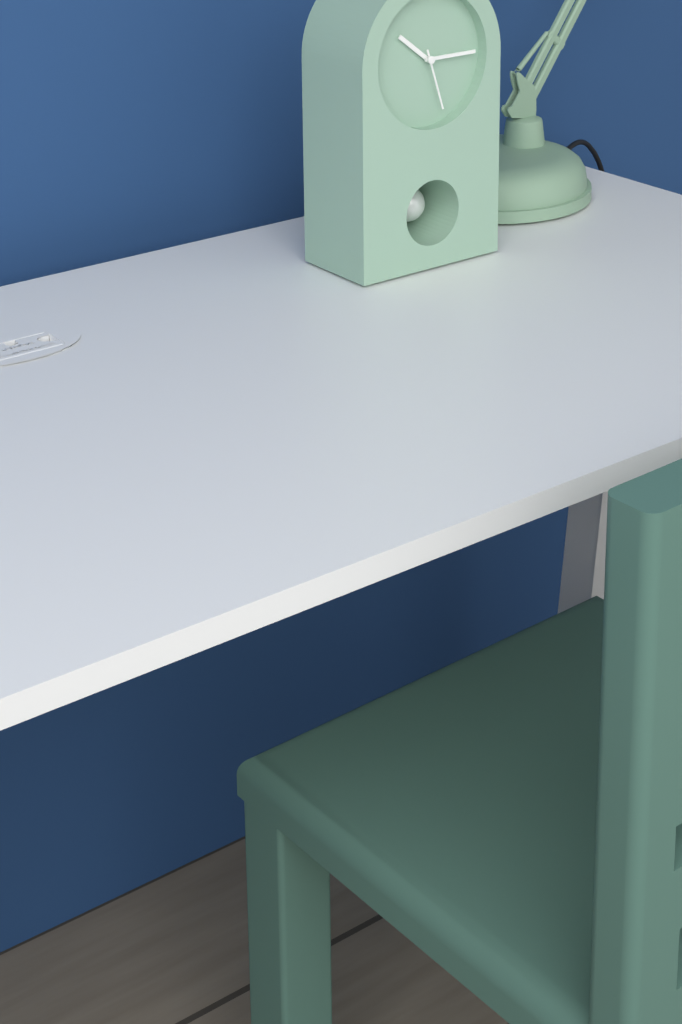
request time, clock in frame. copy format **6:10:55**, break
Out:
**10:15:27**
